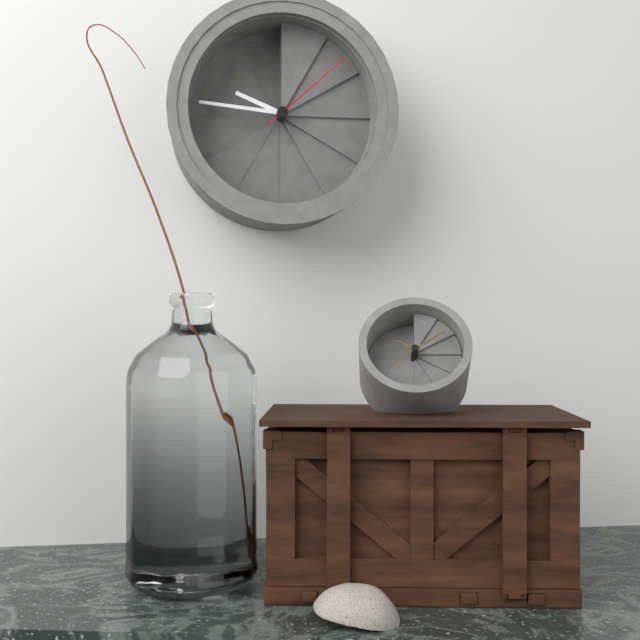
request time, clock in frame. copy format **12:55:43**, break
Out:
**9:46:08**
